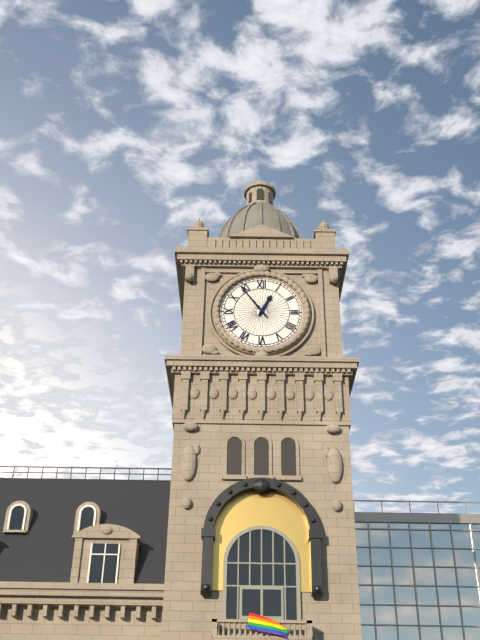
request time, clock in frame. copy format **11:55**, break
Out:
**12:54**
